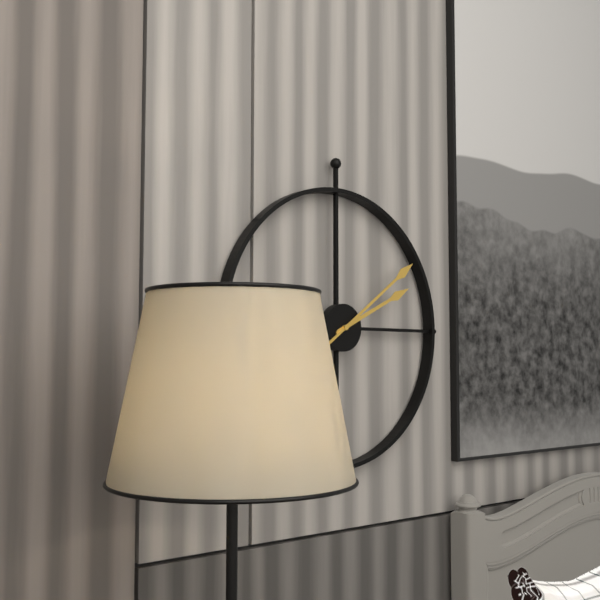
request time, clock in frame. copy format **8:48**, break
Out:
**2:09**
